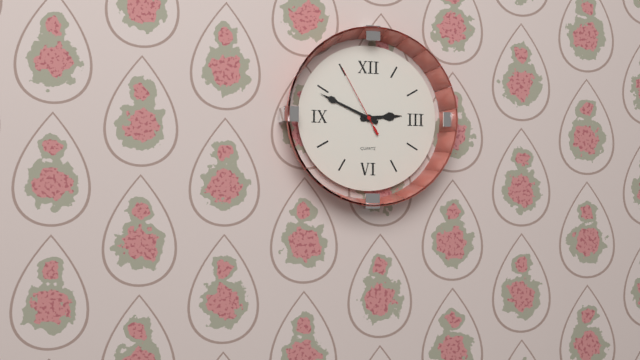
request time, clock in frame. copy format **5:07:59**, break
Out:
**2:49:55**
